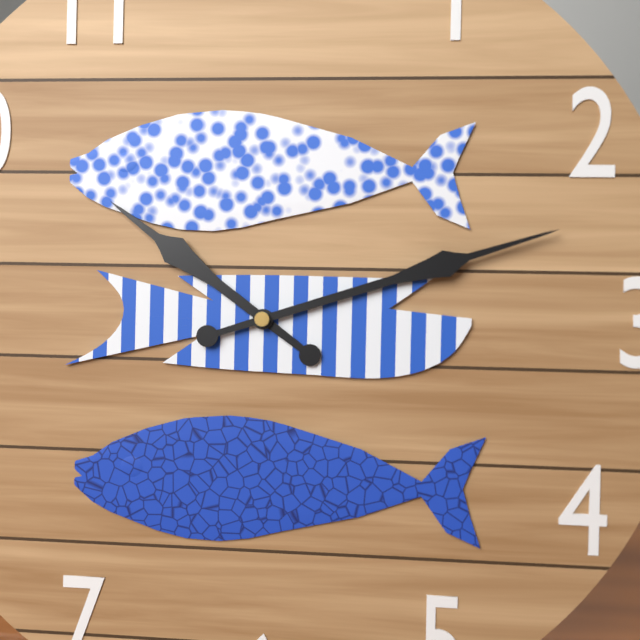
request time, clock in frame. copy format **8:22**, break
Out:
**10:12**
